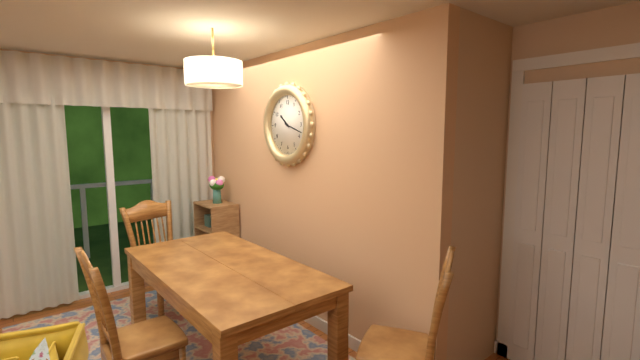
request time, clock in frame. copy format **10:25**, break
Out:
**10:18**
